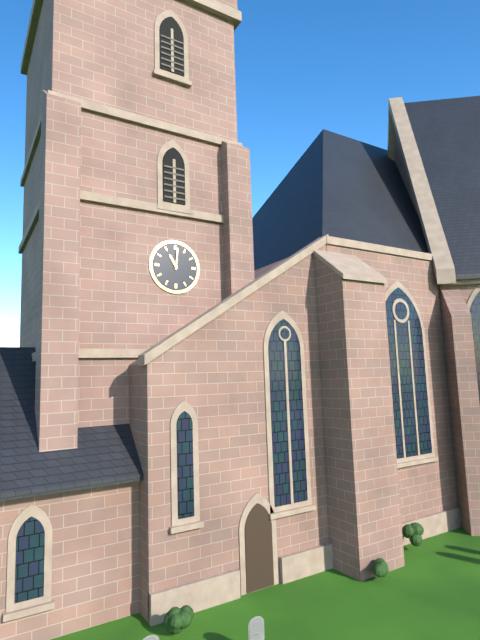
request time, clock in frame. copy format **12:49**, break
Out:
**11:01**
